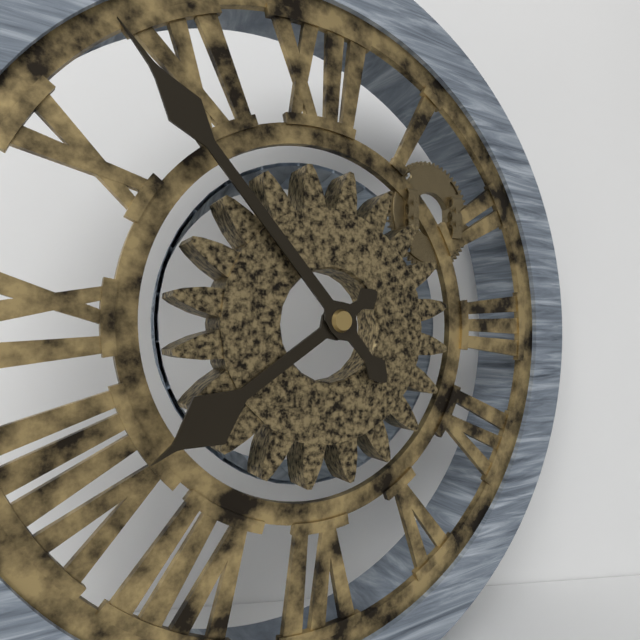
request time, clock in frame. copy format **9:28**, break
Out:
**7:53**
